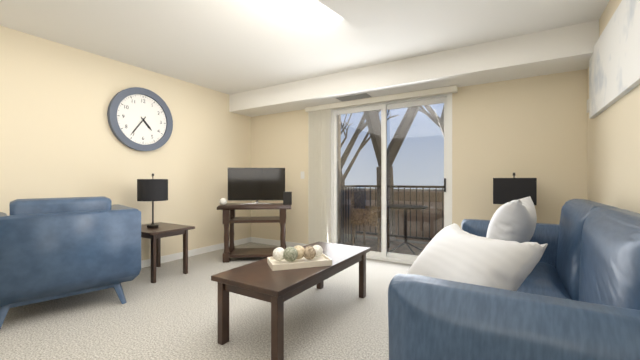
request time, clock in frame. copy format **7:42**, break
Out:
**4:36**
